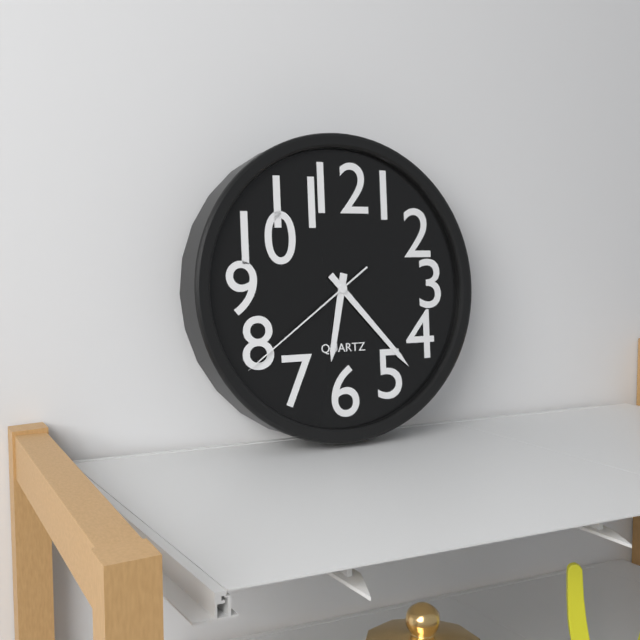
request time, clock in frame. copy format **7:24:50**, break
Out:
**6:23:39**
